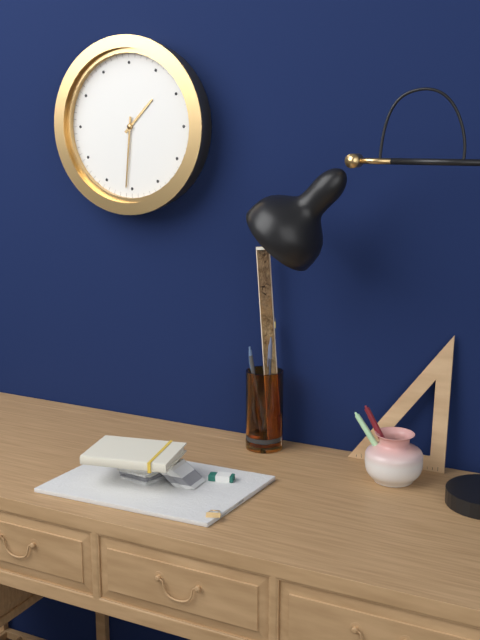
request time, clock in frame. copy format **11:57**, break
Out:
**1:31**
